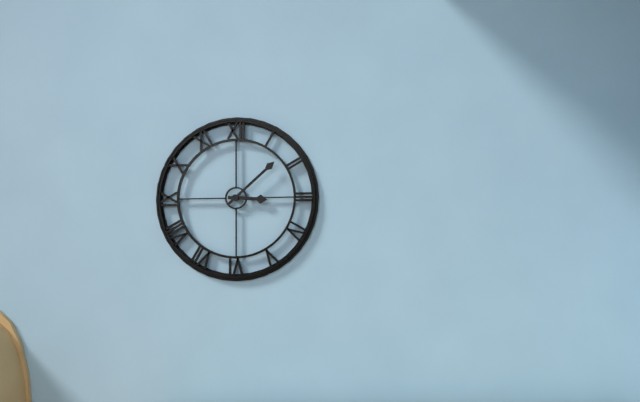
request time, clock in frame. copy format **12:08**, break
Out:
**3:08**
